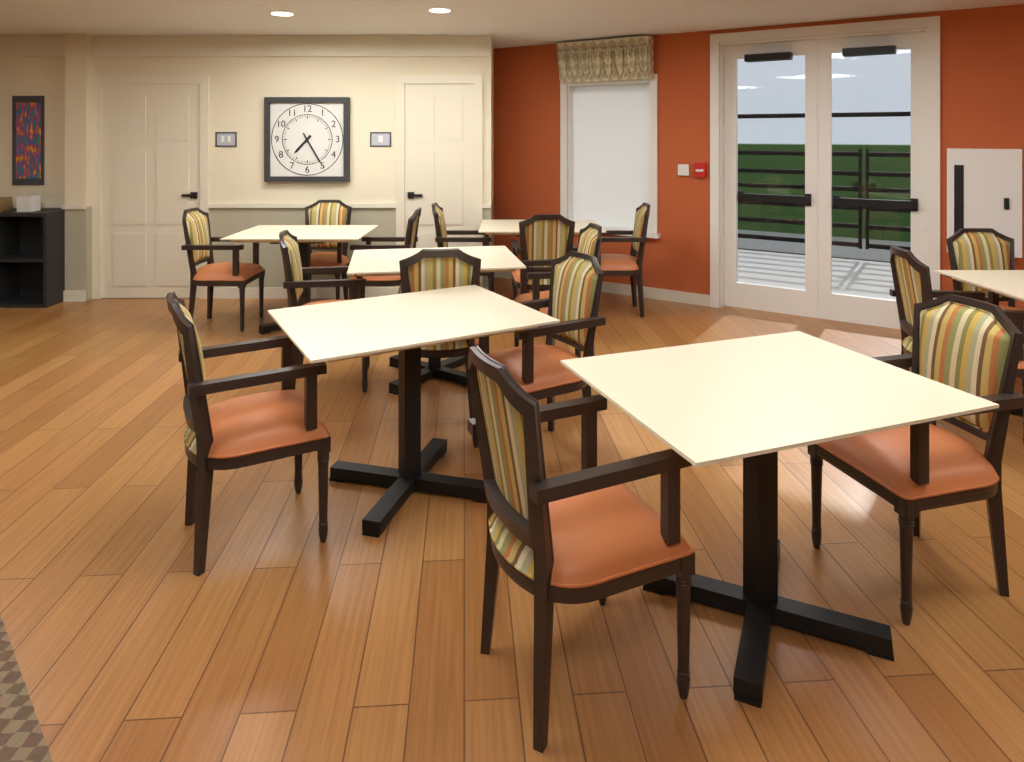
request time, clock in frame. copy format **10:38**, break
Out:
**7:25**
